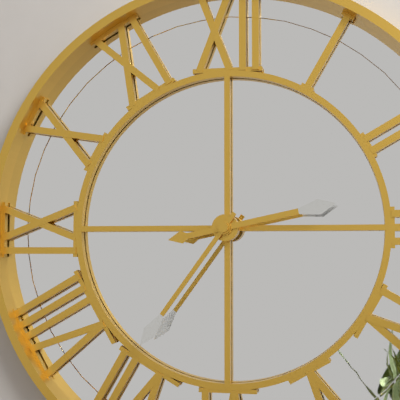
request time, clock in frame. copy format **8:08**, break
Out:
**2:36**
